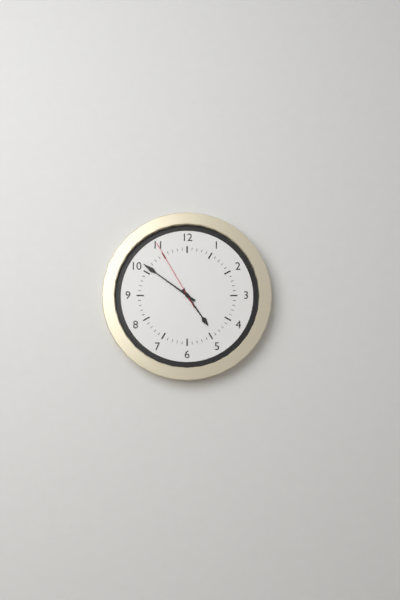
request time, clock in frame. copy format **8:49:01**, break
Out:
**4:51:55**
